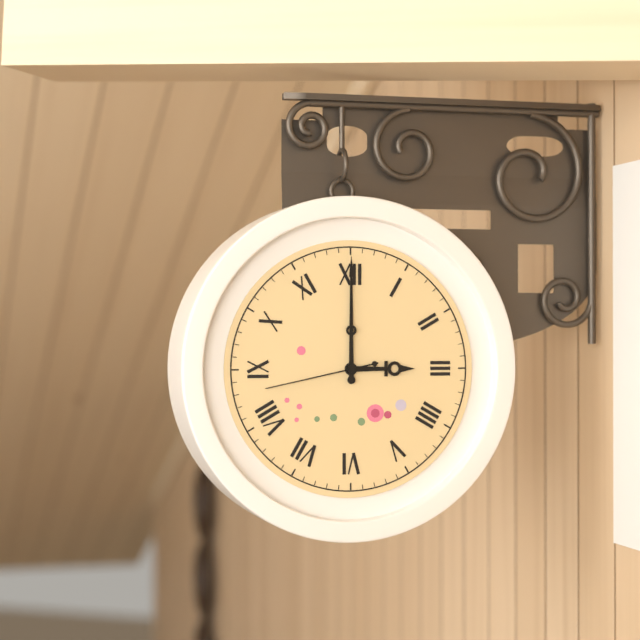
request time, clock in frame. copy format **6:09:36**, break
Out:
**3:00:43**
